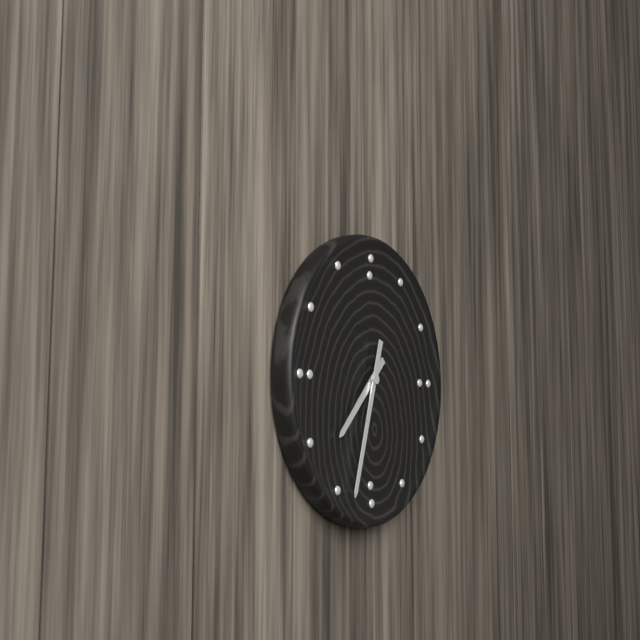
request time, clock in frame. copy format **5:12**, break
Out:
**7:33**
